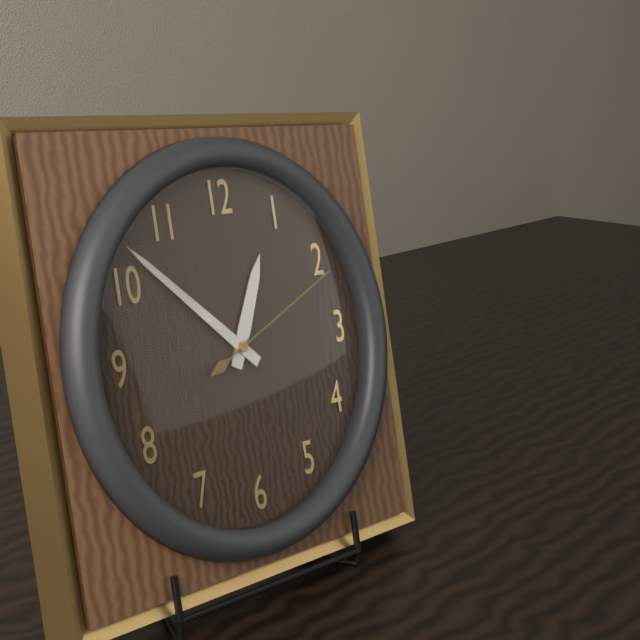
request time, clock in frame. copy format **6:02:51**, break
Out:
**12:52:11**
